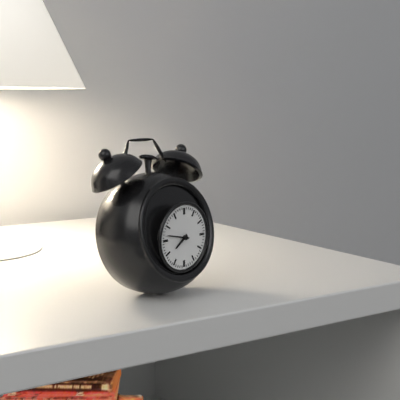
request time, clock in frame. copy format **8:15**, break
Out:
**7:47**
